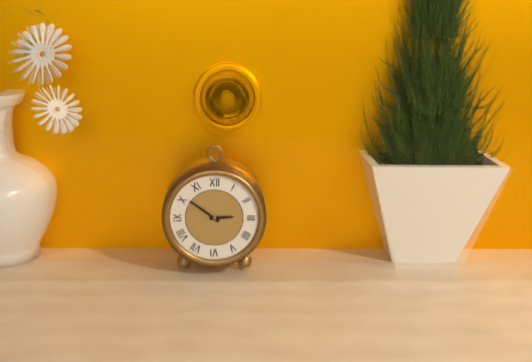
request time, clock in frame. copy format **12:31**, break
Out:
**2:51**
